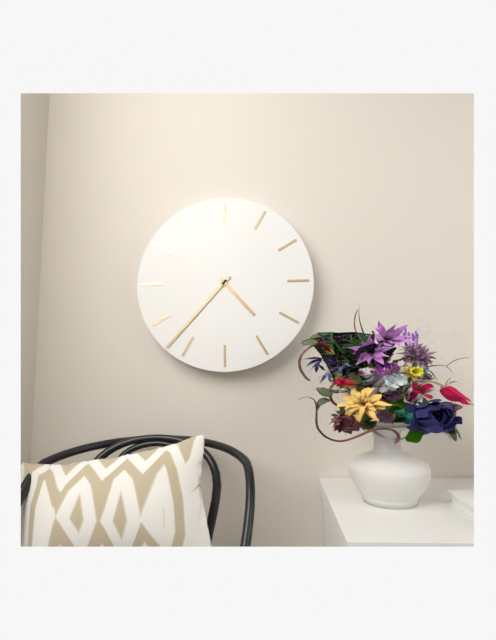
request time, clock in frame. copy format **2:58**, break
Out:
**4:37**
